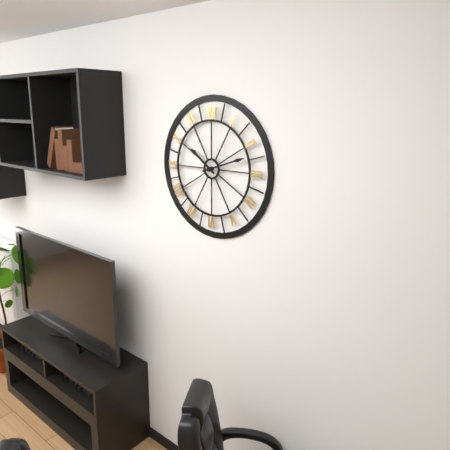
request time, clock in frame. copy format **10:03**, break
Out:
**10:12**
